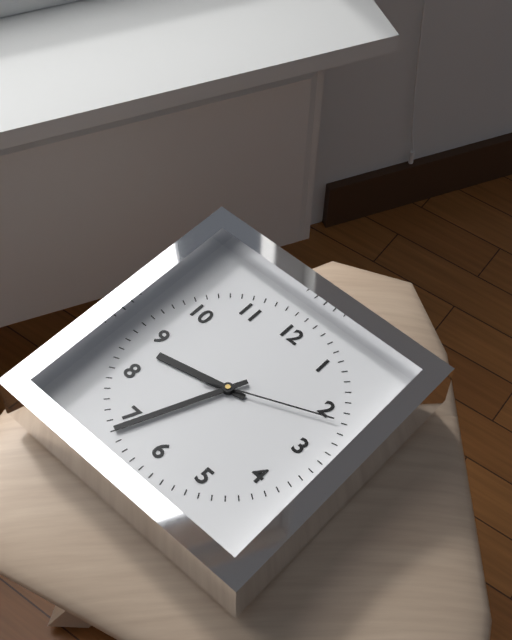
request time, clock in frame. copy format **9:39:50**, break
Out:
**8:34:11**
